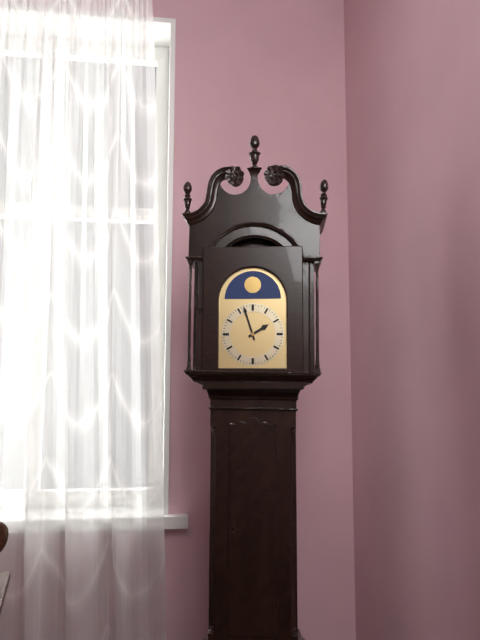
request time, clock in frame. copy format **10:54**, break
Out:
**1:57**
